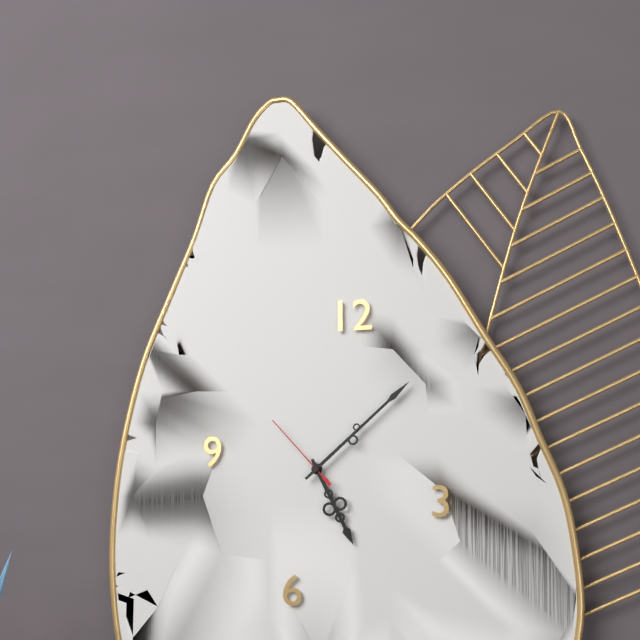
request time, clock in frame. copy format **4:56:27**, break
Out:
**5:08:53**
